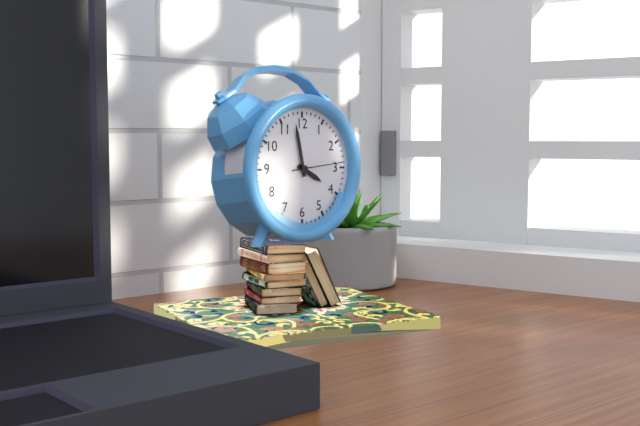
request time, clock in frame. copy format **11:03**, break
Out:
**3:58**
